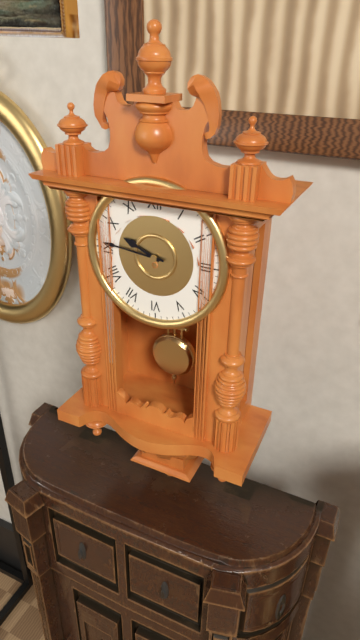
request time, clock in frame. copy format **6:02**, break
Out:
**9:46**
